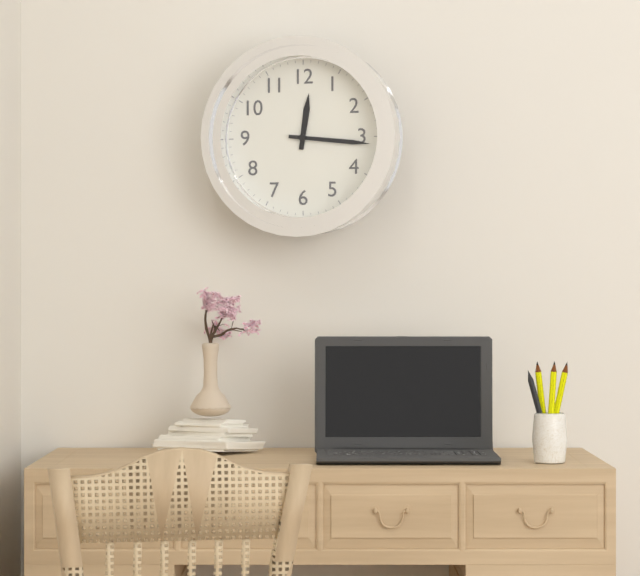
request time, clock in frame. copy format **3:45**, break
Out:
**12:16**
